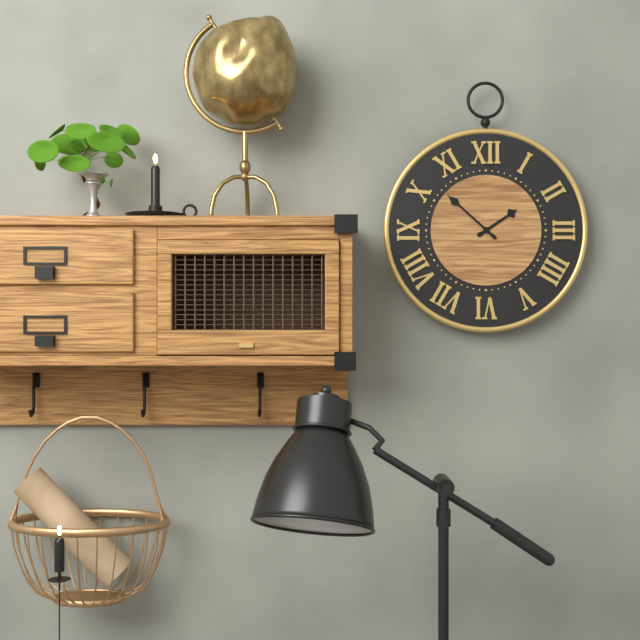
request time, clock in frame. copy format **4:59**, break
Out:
**1:52**
